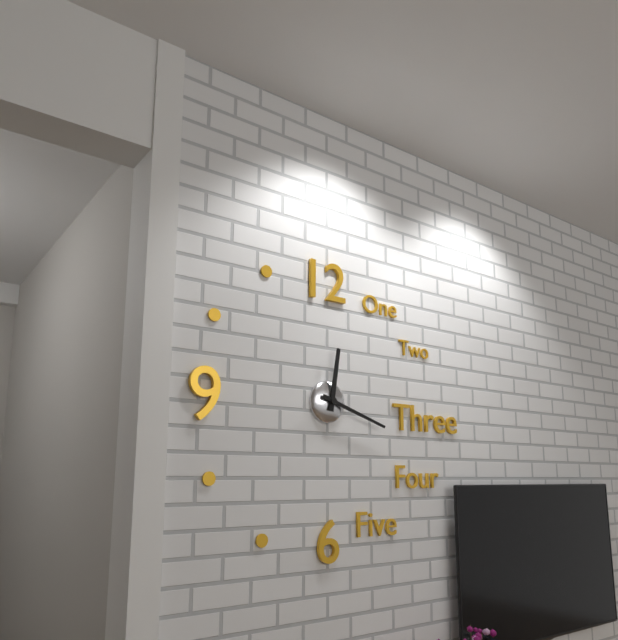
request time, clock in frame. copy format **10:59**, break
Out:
**12:18**
